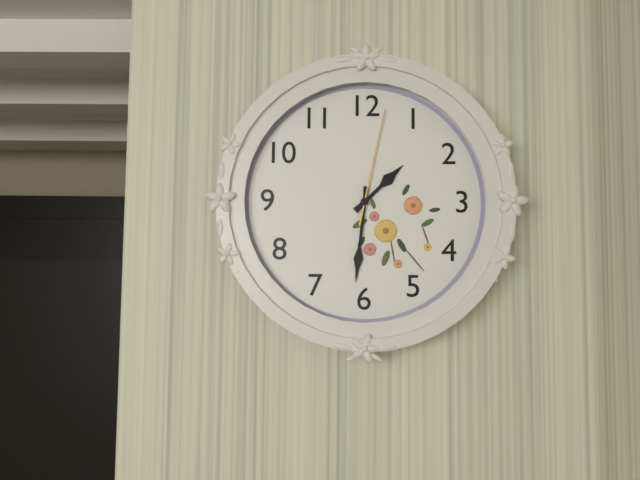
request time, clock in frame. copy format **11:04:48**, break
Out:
**1:31:02**
